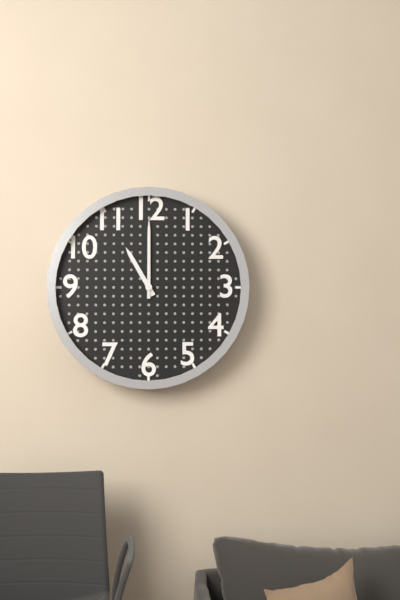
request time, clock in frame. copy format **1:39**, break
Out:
**11:00**
